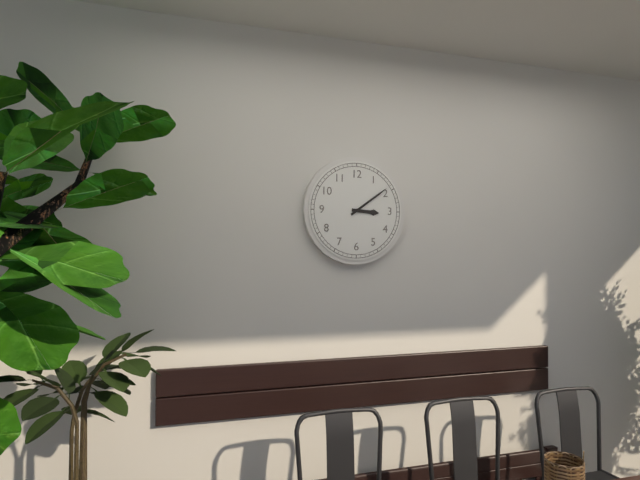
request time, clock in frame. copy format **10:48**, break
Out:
**3:09**
